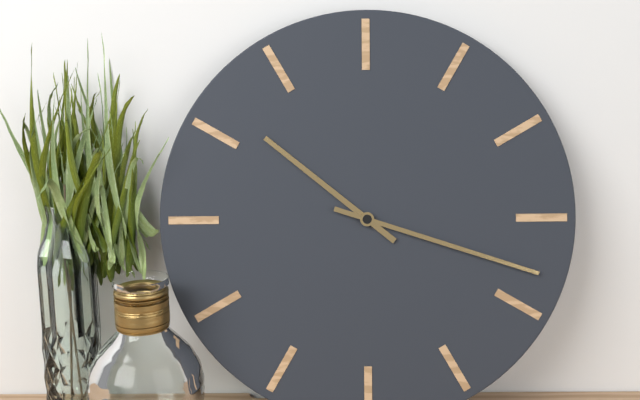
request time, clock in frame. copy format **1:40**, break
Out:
**10:18**
